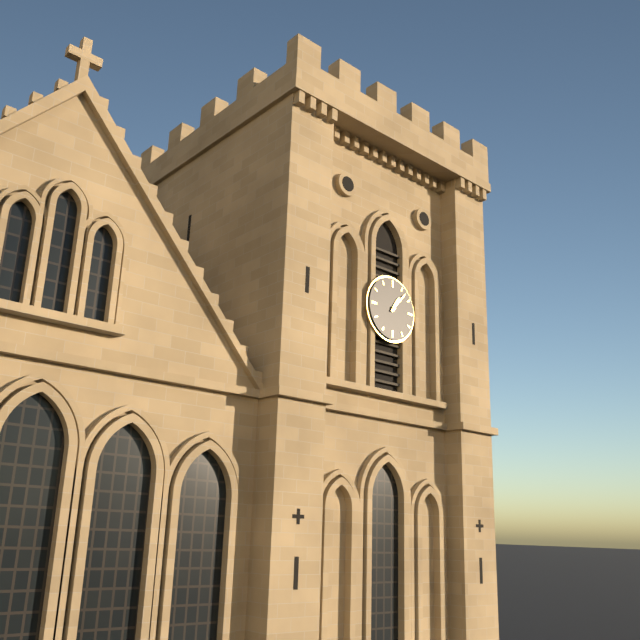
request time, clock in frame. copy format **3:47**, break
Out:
**1:07**
